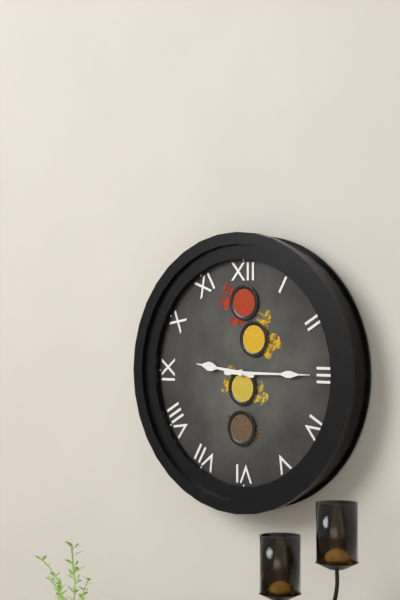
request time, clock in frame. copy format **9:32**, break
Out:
**9:15**
